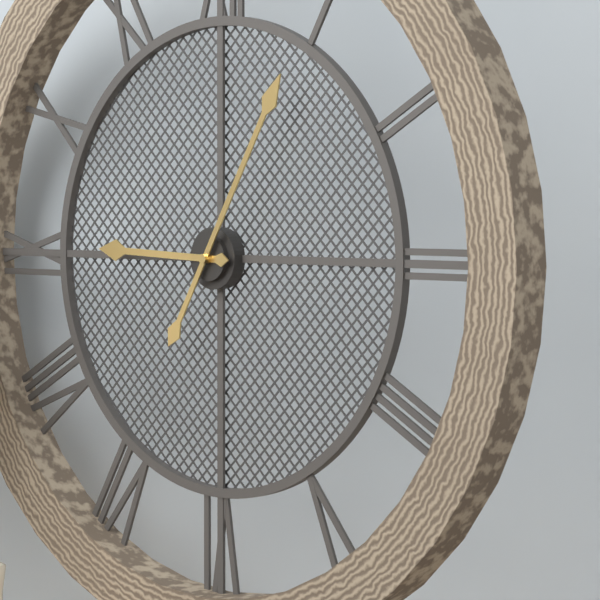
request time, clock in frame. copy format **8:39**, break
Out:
**9:05**
